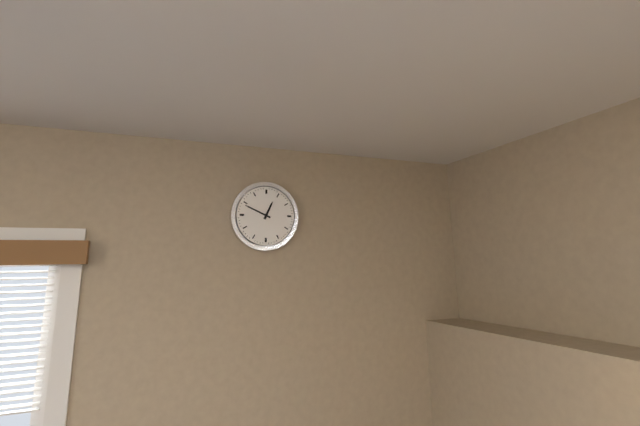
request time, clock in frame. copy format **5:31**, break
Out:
**12:49**
